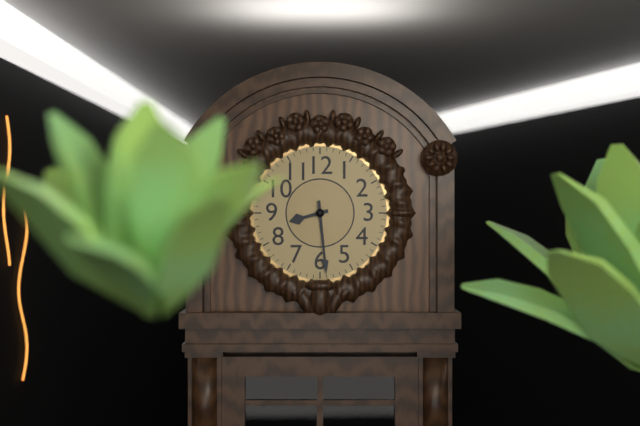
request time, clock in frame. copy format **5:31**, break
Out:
**8:29**
